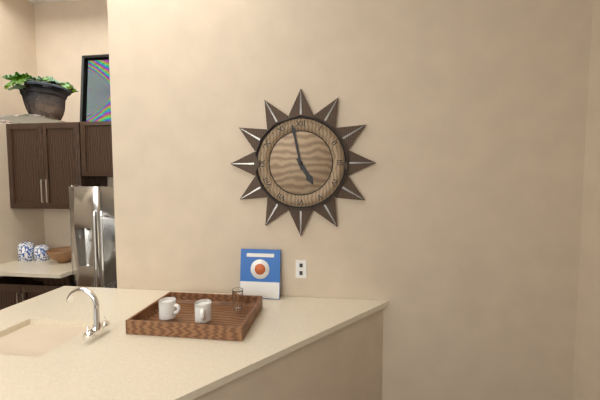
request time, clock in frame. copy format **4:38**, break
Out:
**4:58**
